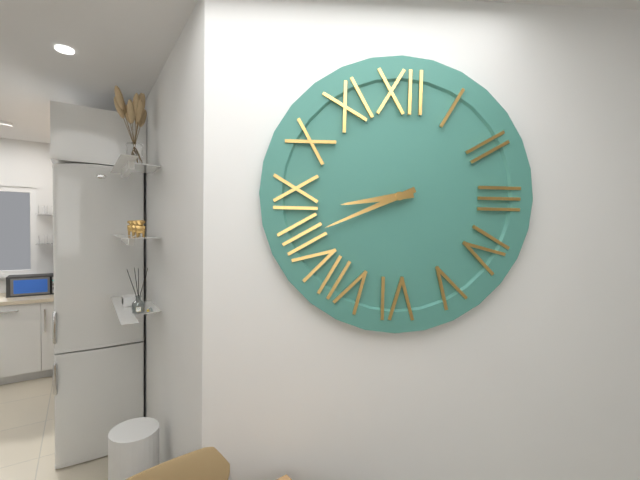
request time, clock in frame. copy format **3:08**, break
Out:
**8:41**
